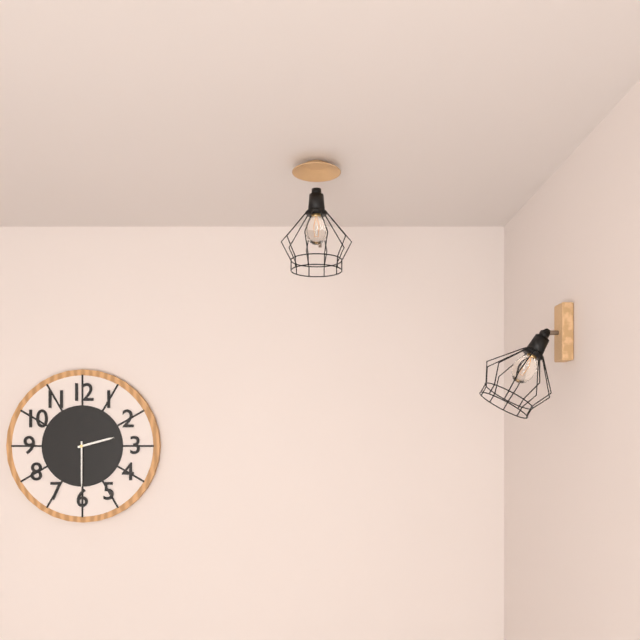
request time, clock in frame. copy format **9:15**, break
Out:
**2:30**
